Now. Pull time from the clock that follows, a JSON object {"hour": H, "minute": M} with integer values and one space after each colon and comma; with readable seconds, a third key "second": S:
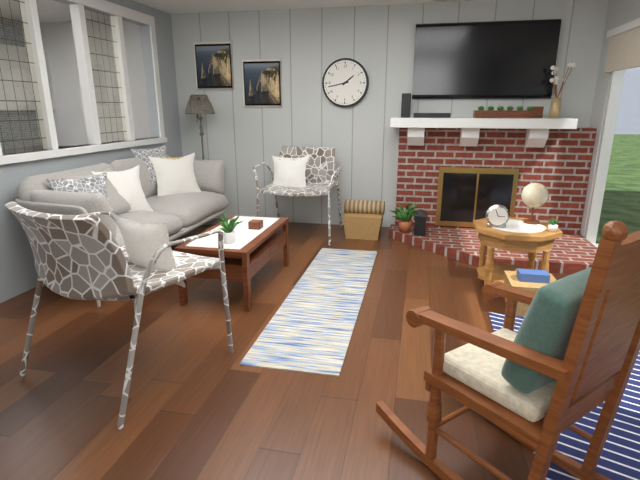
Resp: {"hour": 1, "minute": 43}
